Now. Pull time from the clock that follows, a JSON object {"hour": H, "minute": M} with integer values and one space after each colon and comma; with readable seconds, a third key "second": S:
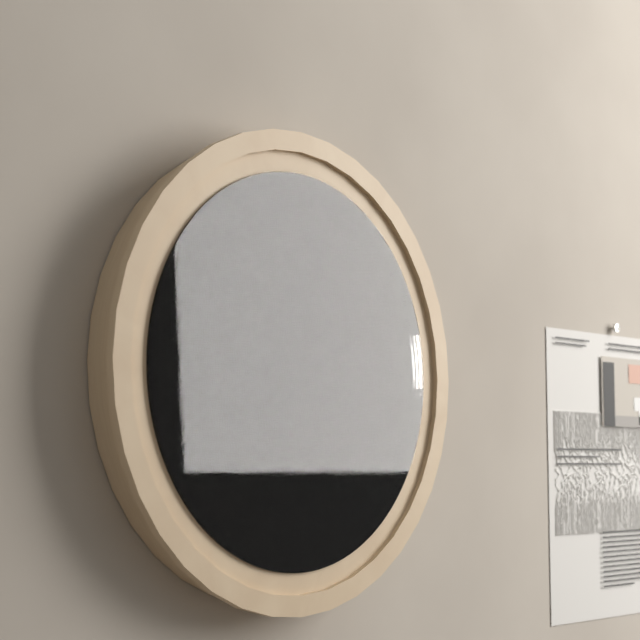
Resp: {"hour": 9, "minute": 38}
